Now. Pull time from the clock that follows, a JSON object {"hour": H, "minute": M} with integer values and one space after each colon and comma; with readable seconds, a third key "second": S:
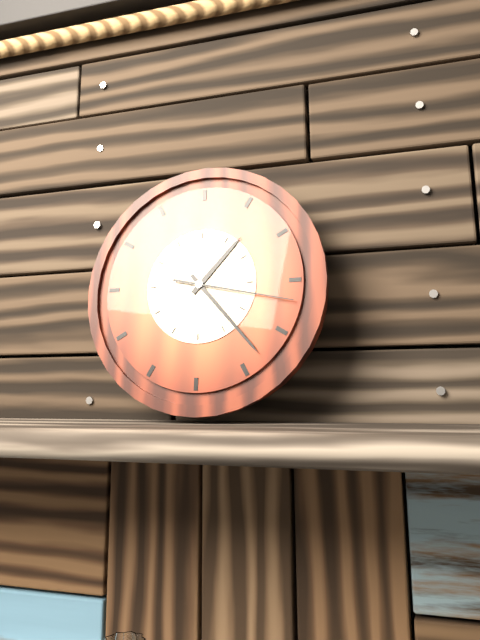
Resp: {"hour": 1, "minute": 23, "second": 17}
